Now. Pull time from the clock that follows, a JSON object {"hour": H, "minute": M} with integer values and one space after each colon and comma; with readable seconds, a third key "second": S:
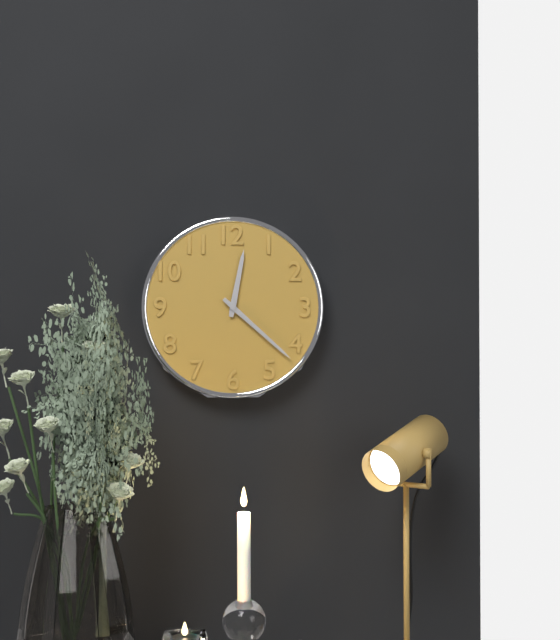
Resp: {"hour": 12, "minute": 22}
